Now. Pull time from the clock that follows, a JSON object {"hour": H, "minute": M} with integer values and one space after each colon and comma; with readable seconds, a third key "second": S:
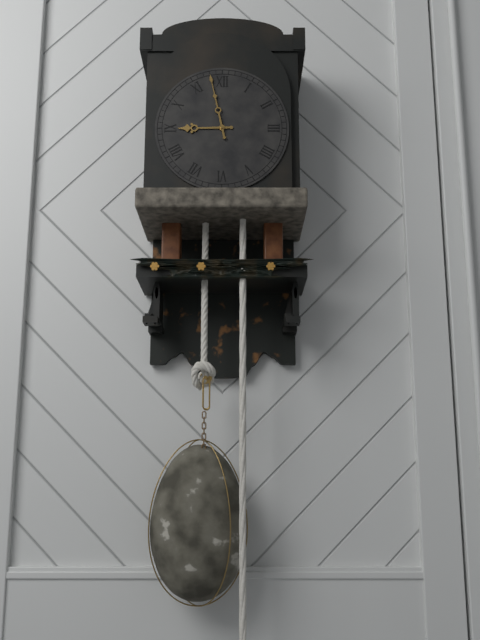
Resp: {"hour": 8, "minute": 58}
